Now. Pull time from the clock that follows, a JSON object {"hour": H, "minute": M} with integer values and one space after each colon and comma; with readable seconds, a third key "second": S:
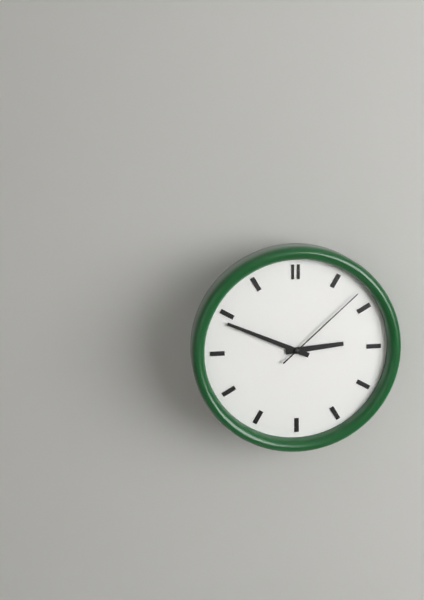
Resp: {"hour": 2, "minute": 49, "second": 8}
